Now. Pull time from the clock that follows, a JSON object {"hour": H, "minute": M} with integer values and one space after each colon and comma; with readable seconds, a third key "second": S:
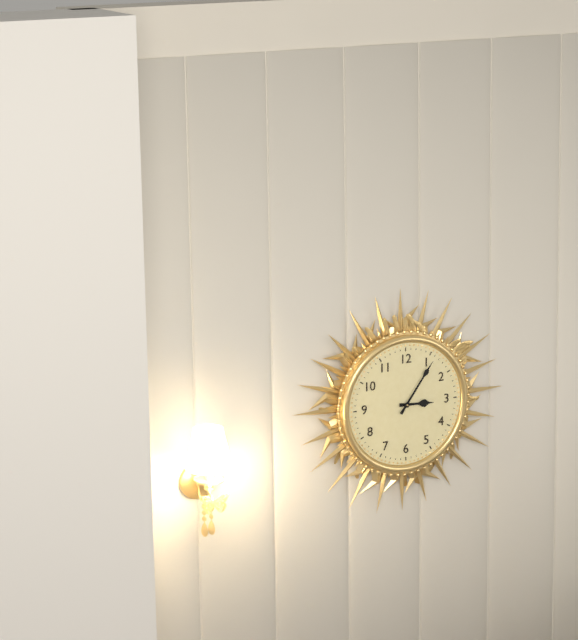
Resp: {"hour": 3, "minute": 6}
